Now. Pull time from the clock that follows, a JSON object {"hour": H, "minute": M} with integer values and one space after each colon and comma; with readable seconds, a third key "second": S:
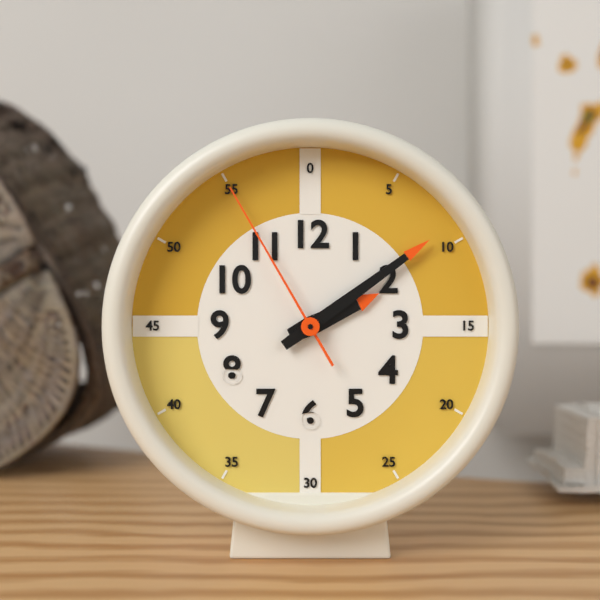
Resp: {"hour": 2, "minute": 9, "second": 55}
